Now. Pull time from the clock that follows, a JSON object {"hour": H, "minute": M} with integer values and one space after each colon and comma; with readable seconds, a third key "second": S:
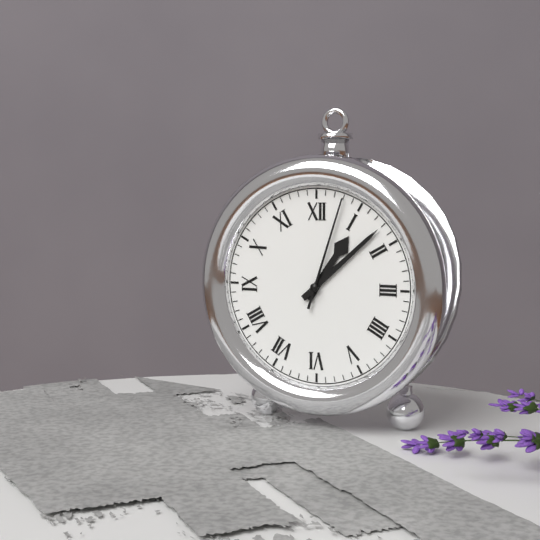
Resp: {"hour": 1, "minute": 8, "second": 3}
